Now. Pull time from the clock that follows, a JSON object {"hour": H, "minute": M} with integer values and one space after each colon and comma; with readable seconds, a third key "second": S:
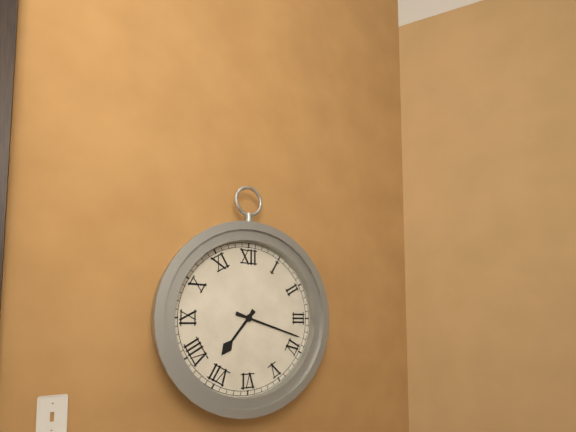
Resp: {"hour": 7, "minute": 18}
